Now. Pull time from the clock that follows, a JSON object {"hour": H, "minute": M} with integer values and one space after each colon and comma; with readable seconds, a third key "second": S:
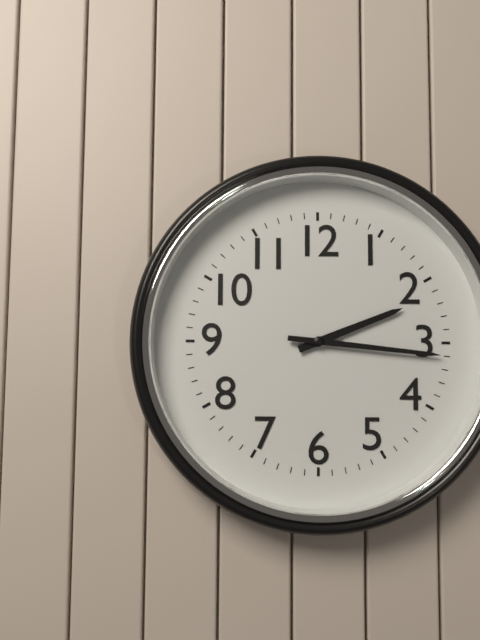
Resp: {"hour": 2, "minute": 16}
